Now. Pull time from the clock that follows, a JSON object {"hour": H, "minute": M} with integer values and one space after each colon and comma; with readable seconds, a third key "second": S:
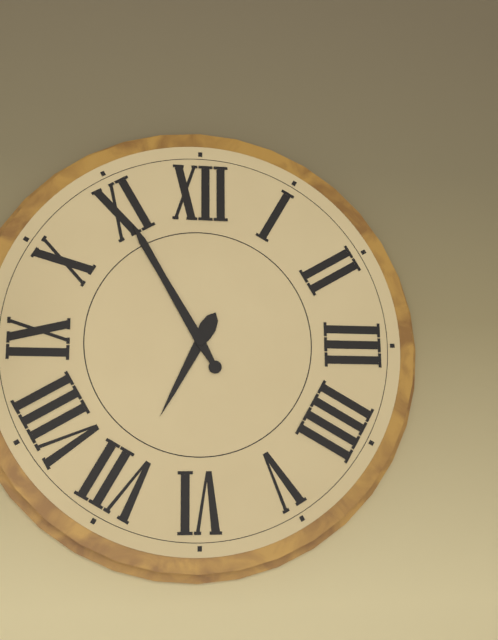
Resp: {"hour": 6, "minute": 55}
